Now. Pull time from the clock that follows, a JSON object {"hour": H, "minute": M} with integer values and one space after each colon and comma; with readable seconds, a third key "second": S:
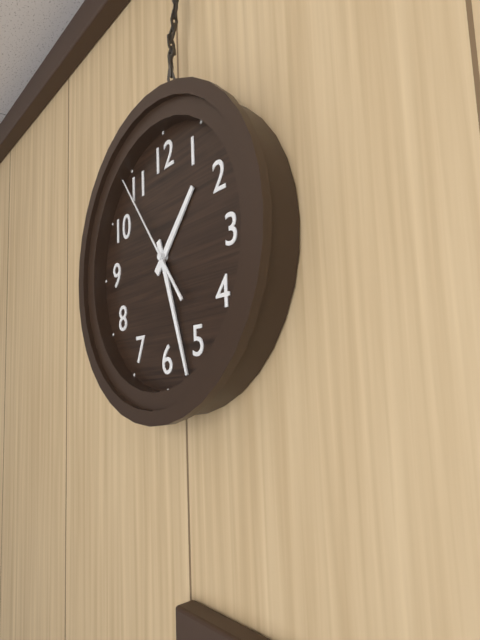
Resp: {"hour": 1, "minute": 27, "second": 54}
